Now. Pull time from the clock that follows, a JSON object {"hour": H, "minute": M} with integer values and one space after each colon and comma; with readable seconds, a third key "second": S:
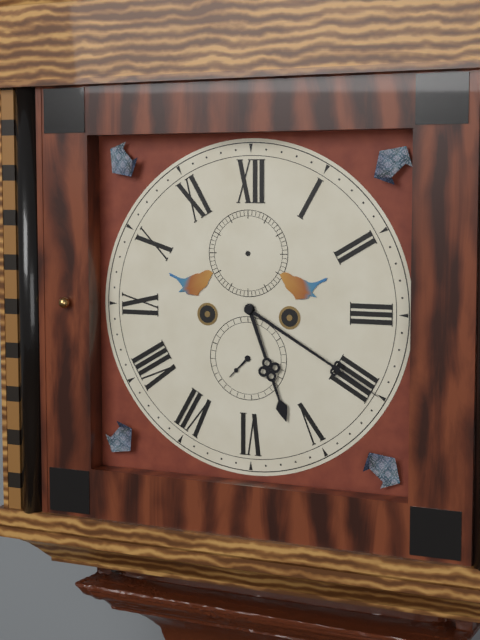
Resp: {"hour": 5, "minute": 20}
